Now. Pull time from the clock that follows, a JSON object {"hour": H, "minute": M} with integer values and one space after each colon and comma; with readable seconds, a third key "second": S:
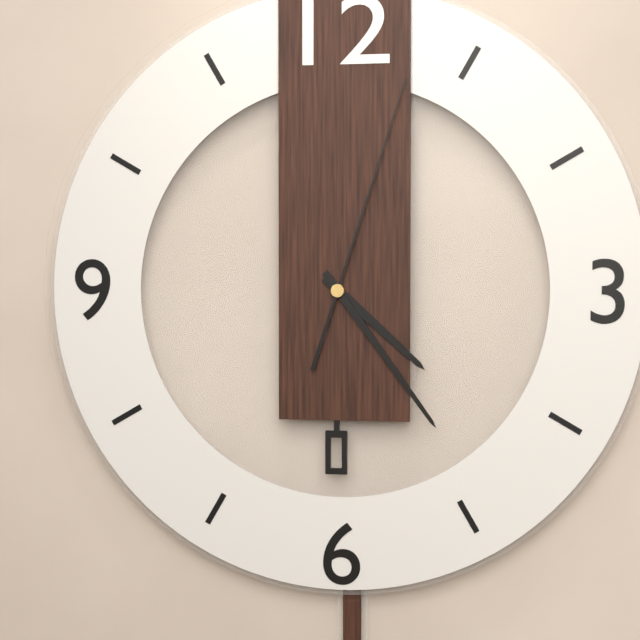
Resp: {"hour": 4, "minute": 24, "second": 3}
